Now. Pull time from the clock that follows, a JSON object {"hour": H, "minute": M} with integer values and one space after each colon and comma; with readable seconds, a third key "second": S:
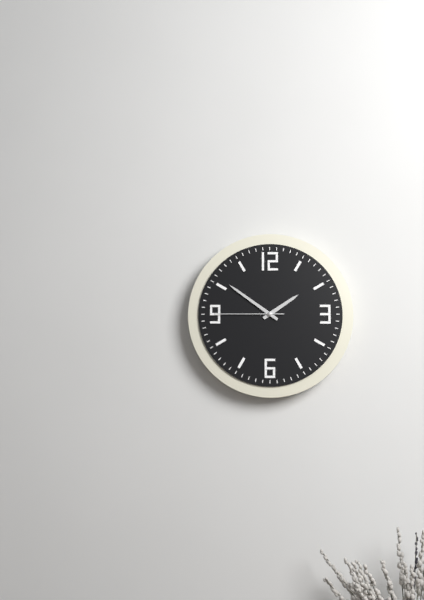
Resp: {"hour": 1, "minute": 51, "second": 45}
